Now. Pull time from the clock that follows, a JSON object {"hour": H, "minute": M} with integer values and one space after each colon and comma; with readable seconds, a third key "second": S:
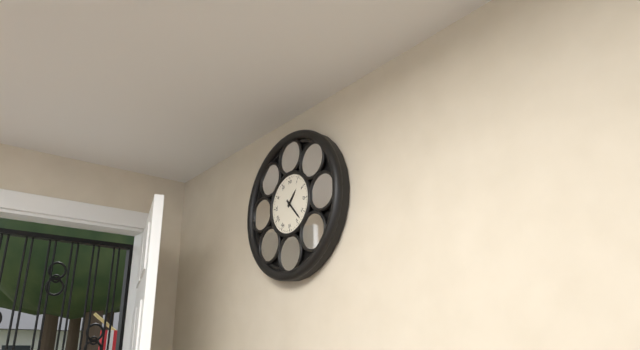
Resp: {"hour": 1, "minute": 23}
